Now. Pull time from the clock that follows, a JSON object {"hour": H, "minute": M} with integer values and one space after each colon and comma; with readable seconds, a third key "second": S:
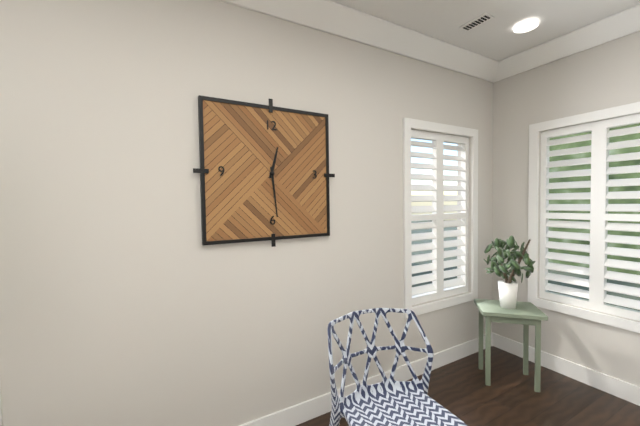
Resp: {"hour": 12, "minute": 29}
